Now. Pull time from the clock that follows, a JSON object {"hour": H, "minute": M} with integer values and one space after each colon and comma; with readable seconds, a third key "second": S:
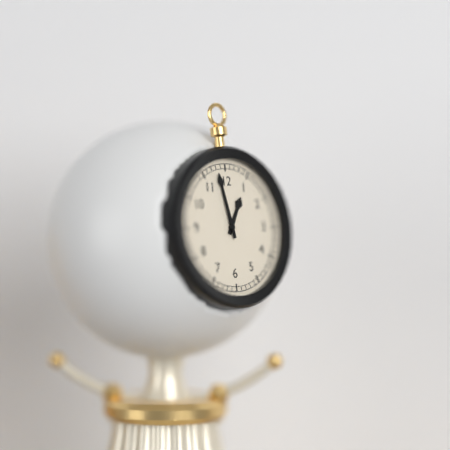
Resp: {"hour": 12, "minute": 58}
